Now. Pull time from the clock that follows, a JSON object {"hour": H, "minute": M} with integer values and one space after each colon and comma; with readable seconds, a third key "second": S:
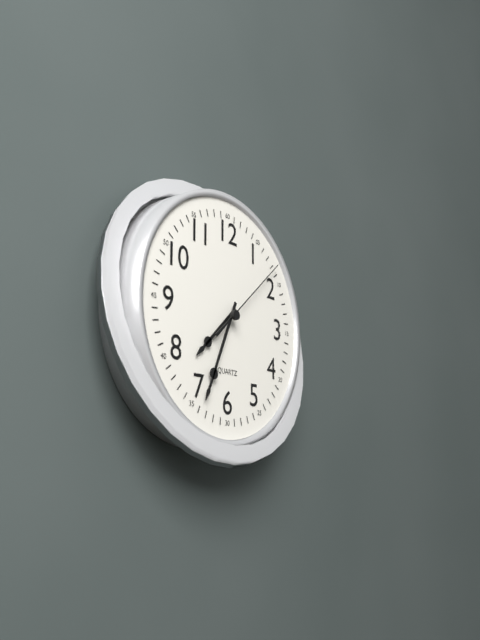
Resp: {"hour": 7, "minute": 34, "second": 8}
